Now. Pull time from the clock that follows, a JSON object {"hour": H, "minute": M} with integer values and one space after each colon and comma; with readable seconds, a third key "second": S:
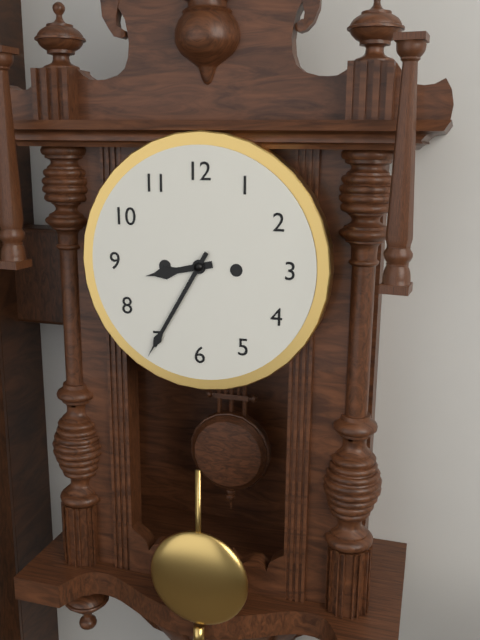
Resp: {"hour": 8, "minute": 35}
